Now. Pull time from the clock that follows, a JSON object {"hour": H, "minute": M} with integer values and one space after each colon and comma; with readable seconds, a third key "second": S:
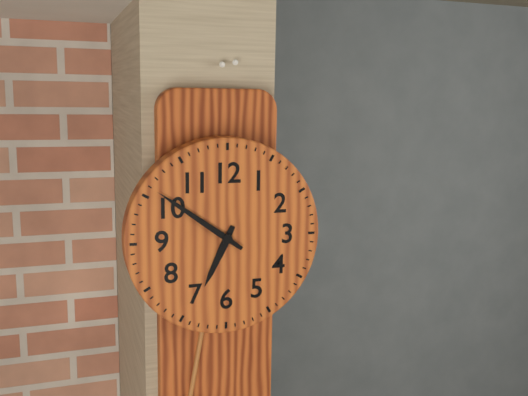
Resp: {"hour": 6, "minute": 51}
